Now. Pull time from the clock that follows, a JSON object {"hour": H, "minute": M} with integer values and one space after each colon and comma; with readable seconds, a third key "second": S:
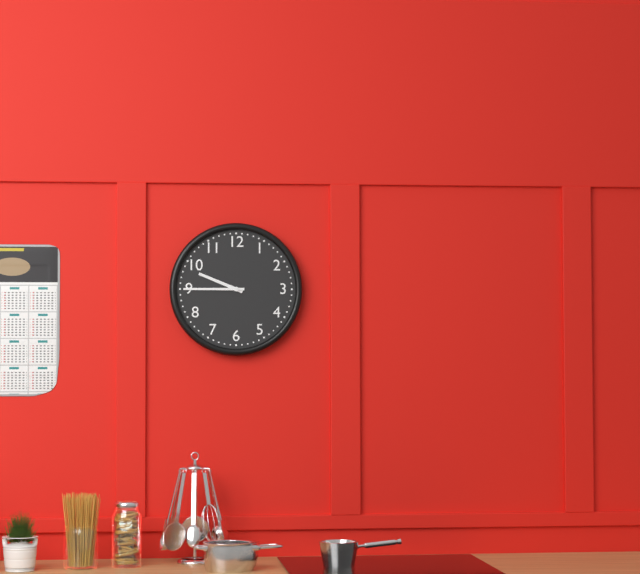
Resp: {"hour": 9, "minute": 45}
